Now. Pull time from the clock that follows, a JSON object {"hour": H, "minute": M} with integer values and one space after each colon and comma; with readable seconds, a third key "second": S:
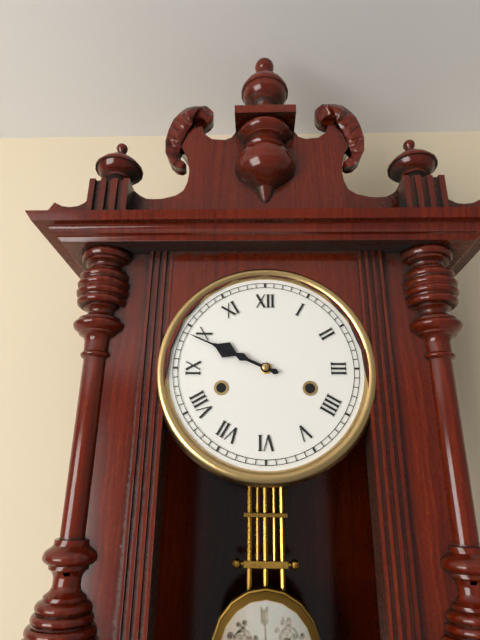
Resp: {"hour": 9, "minute": 49}
